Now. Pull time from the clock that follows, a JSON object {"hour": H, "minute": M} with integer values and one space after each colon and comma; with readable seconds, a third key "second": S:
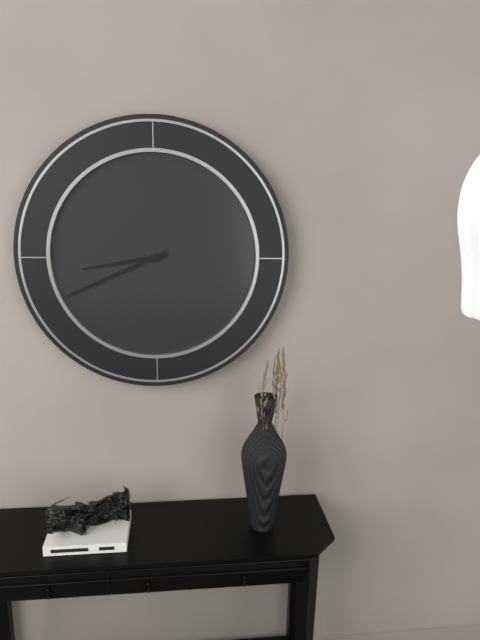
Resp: {"hour": 8, "minute": 41}
